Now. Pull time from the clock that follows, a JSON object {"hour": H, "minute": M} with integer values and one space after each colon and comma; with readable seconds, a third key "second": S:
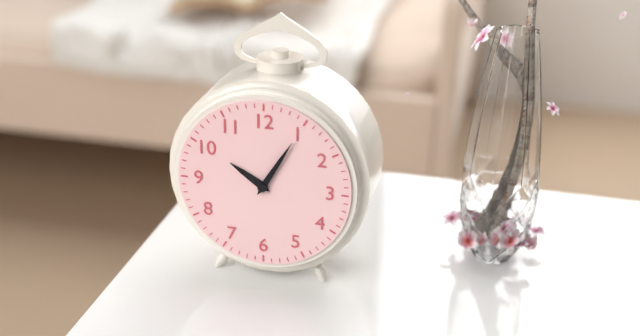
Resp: {"hour": 10, "minute": 5}
